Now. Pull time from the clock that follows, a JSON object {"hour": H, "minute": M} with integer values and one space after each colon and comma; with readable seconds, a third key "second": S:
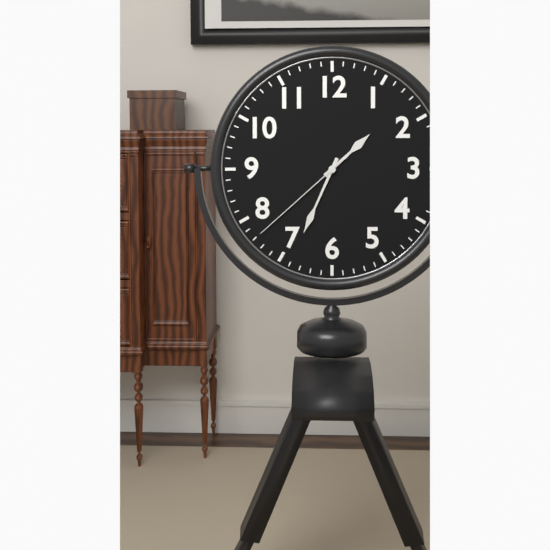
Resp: {"hour": 1, "minute": 34, "second": 38}
